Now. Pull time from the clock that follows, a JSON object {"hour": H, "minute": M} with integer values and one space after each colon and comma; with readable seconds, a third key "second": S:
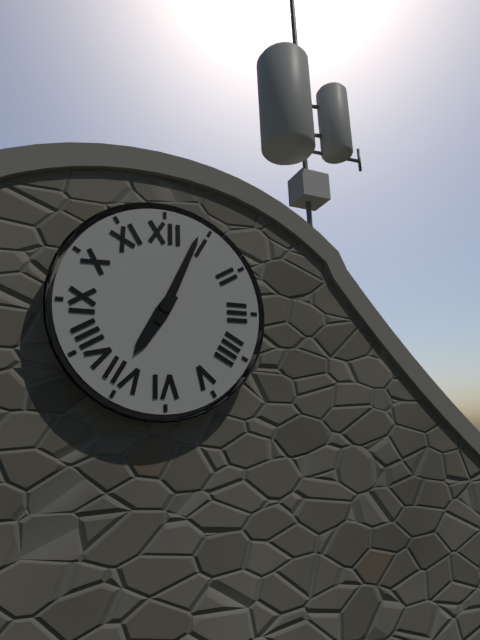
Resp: {"hour": 7, "minute": 4}
